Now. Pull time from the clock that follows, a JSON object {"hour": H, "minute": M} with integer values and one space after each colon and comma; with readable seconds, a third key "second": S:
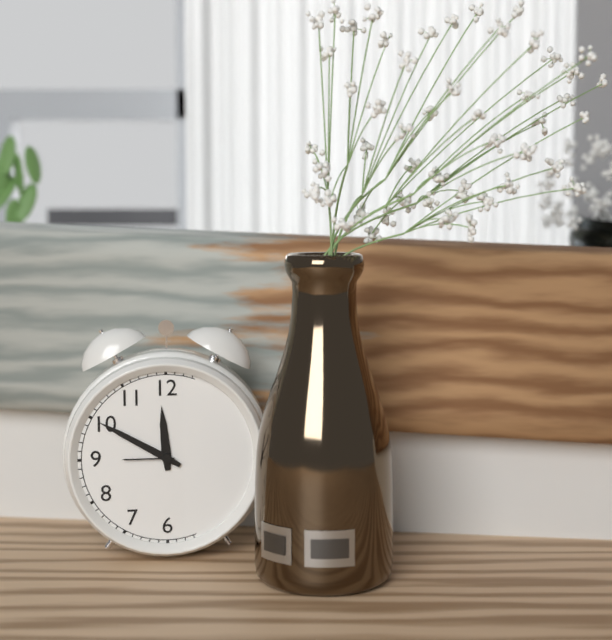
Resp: {"hour": 11, "minute": 50}
